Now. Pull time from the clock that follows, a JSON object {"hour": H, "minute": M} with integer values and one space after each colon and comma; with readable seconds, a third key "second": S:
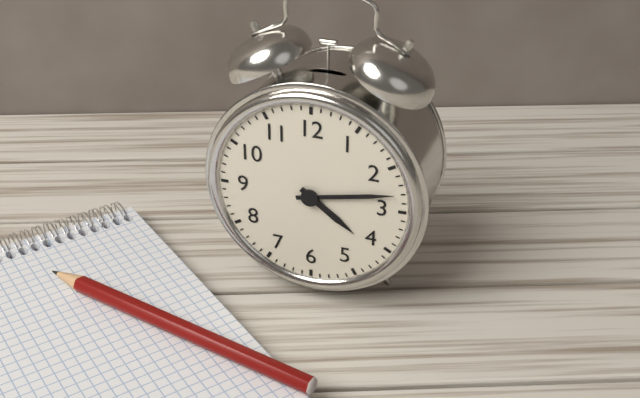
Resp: {"hour": 4, "minute": 13}
